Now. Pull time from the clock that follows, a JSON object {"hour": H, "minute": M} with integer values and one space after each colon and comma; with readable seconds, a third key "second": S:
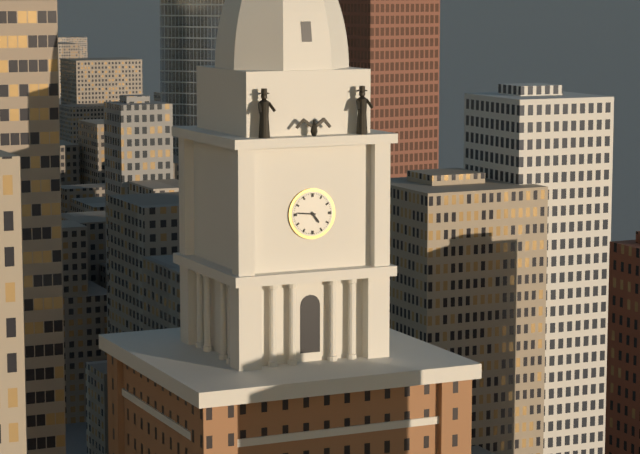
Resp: {"hour": 4, "minute": 46}
